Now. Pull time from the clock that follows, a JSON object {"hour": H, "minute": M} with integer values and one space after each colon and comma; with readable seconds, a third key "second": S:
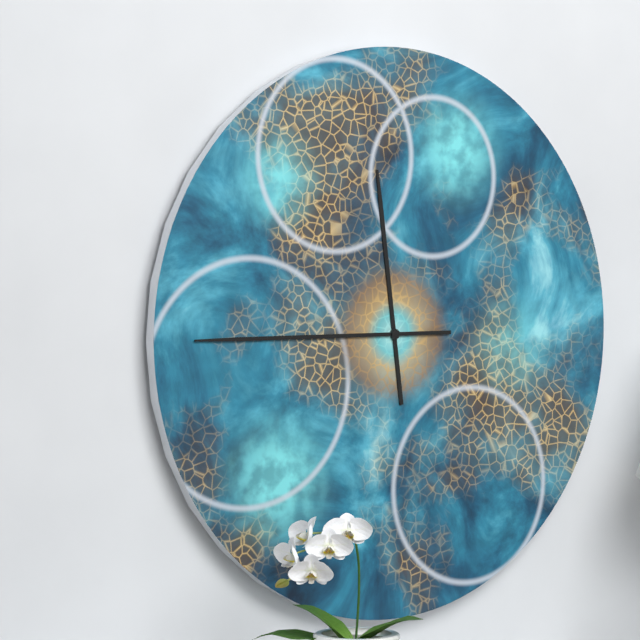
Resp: {"hour": 11, "minute": 45}
